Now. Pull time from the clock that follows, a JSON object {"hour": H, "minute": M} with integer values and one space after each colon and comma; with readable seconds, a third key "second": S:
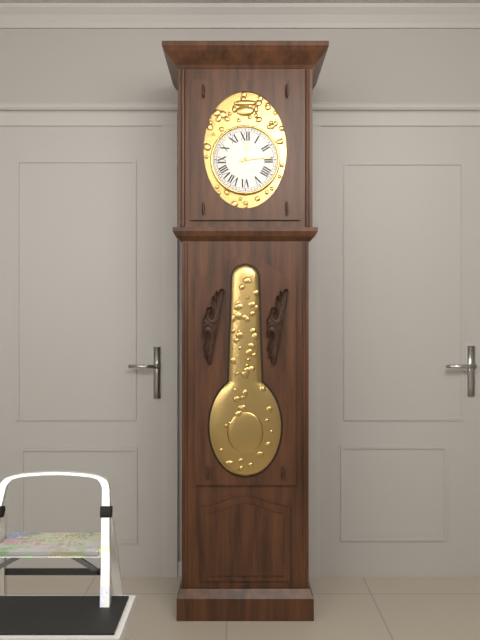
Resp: {"hour": 12, "minute": 14}
